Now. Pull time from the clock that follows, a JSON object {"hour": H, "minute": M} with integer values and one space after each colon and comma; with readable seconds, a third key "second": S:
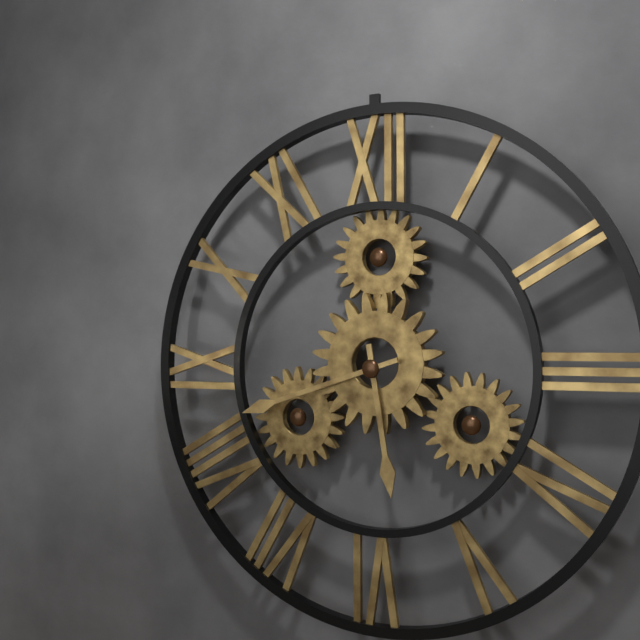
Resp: {"hour": 5, "minute": 42}
